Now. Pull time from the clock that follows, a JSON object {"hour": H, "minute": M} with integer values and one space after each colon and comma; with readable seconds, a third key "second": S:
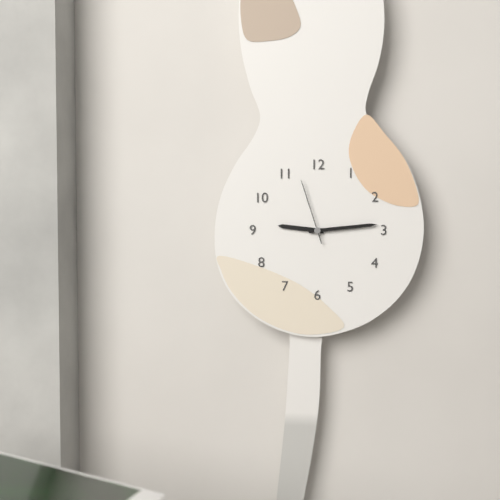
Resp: {"hour": 9, "minute": 14, "second": 57}
